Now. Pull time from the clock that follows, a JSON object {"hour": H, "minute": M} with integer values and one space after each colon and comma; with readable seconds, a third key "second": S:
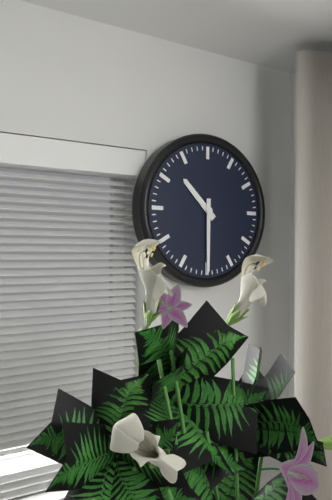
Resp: {"hour": 10, "minute": 30}
